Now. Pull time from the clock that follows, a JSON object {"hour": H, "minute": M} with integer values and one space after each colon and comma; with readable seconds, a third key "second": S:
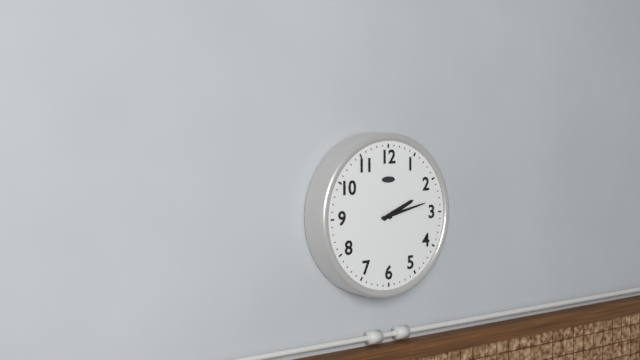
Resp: {"hour": 2, "minute": 13}
